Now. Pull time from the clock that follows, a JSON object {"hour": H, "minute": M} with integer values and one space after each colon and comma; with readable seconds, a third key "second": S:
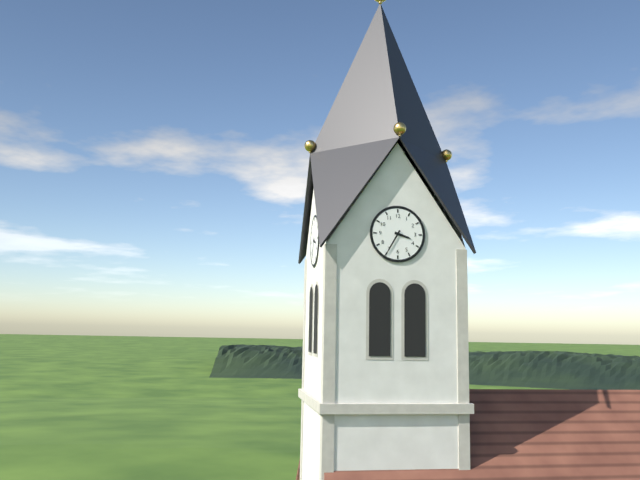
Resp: {"hour": 3, "minute": 35}
